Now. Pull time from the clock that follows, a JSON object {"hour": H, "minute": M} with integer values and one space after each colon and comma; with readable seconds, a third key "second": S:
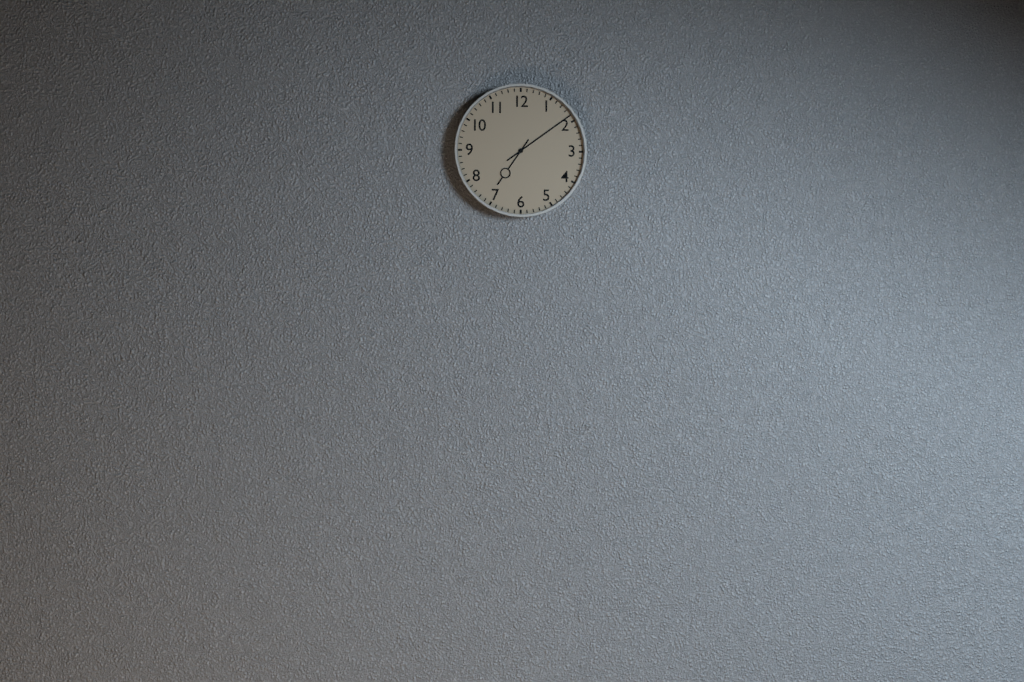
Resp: {"hour": 7, "minute": 9}
